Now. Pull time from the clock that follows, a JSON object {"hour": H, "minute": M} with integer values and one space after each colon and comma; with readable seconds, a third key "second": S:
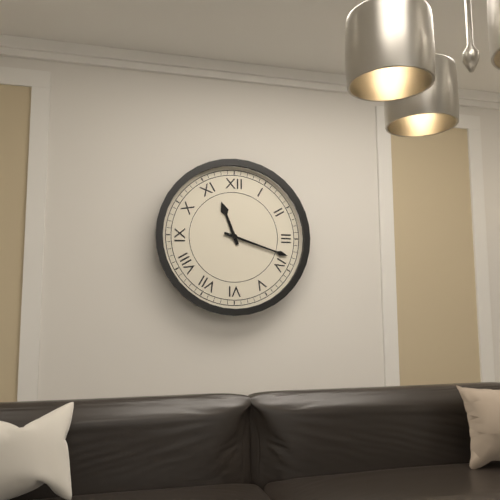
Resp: {"hour": 11, "minute": 18}
